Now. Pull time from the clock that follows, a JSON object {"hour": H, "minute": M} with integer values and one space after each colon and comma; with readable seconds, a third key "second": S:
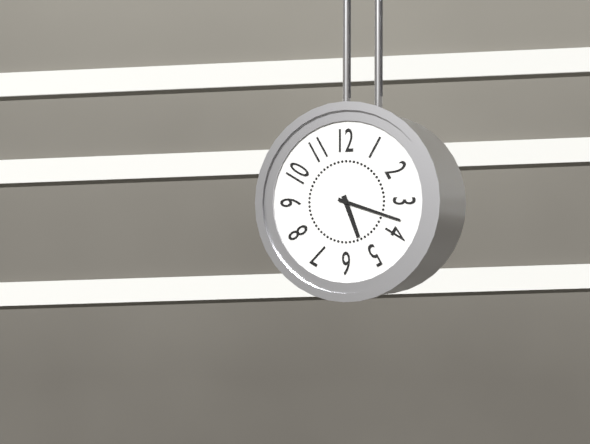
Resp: {"hour": 5, "minute": 18}
